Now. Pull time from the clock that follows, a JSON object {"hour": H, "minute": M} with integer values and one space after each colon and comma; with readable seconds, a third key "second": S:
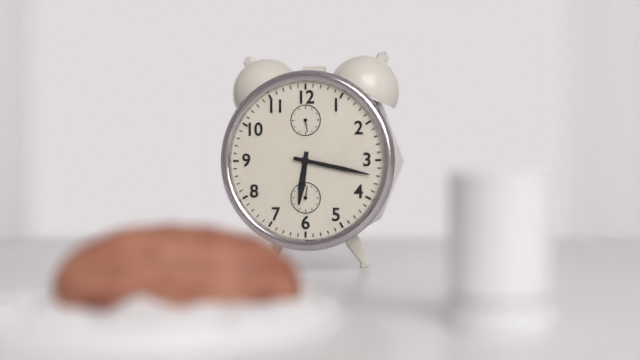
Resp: {"hour": 6, "minute": 17}
